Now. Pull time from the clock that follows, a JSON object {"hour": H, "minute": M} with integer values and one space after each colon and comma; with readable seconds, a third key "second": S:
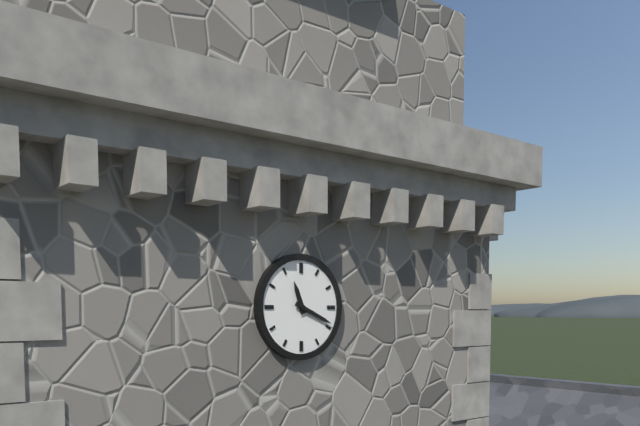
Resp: {"hour": 11, "minute": 19}
